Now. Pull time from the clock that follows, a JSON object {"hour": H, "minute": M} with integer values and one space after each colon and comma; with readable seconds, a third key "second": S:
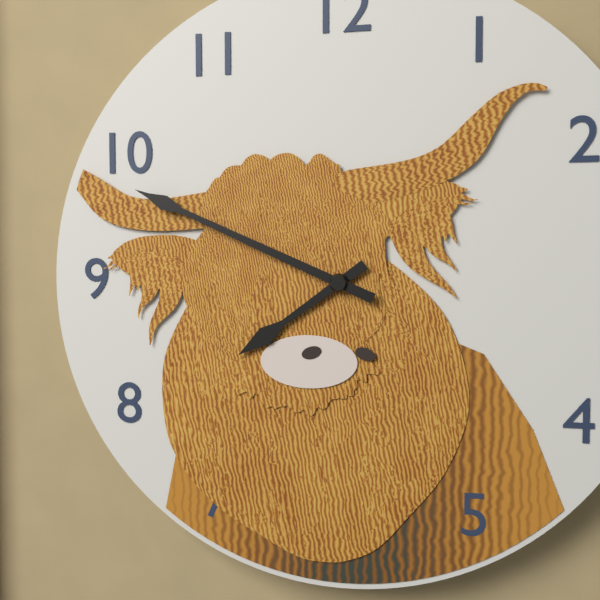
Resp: {"hour": 7, "minute": 49}
